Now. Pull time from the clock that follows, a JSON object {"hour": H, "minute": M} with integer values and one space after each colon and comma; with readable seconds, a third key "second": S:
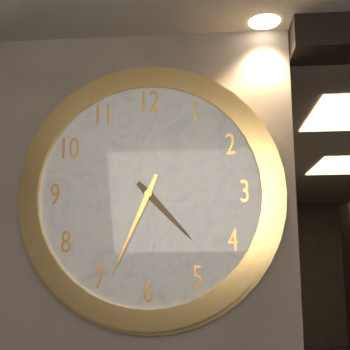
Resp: {"hour": 4, "minute": 34}
